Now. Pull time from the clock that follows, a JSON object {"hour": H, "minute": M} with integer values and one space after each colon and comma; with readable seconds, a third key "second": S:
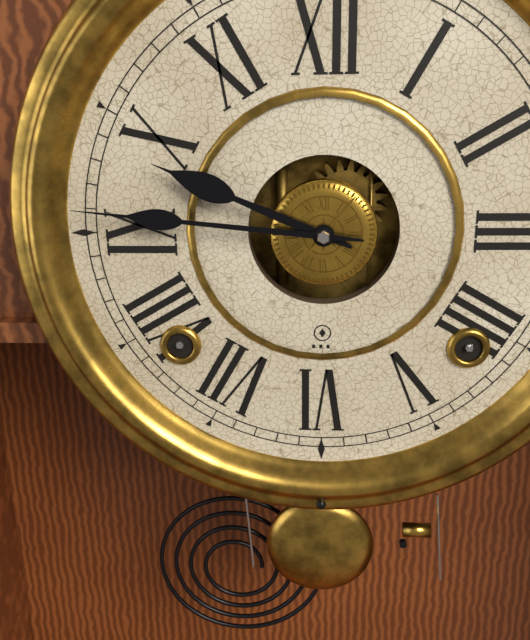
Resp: {"hour": 9, "minute": 46}
